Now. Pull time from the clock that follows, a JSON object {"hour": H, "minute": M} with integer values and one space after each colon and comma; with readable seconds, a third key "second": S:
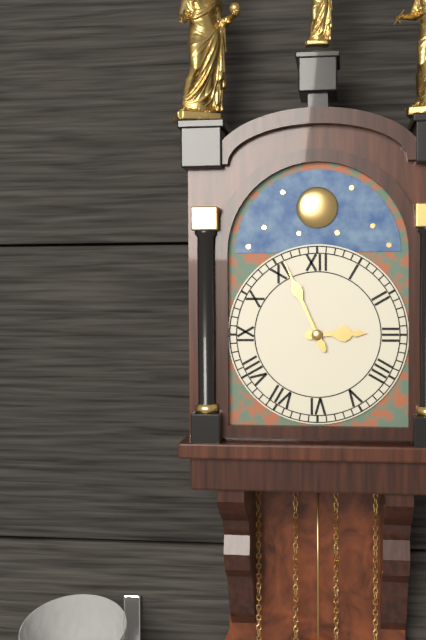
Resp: {"hour": 2, "minute": 56}
